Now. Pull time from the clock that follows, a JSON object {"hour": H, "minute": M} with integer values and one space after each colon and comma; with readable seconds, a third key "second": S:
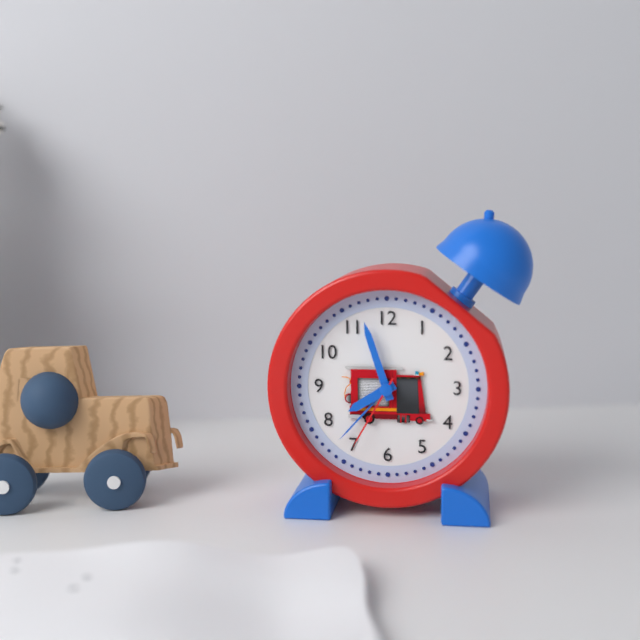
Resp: {"hour": 7, "minute": 57, "second": 35}
